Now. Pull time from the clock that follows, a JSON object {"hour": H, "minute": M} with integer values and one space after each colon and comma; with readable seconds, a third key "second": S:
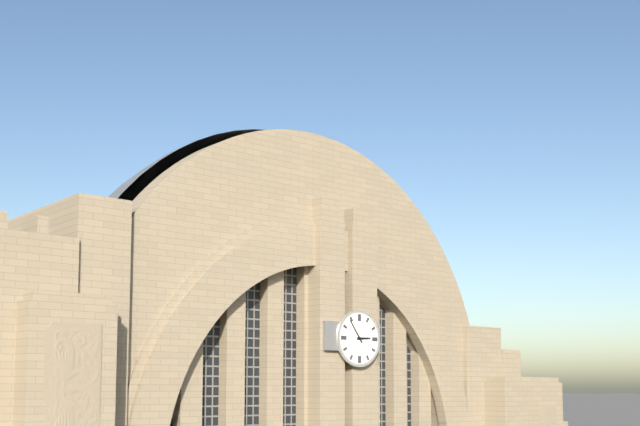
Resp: {"hour": 2, "minute": 54}
